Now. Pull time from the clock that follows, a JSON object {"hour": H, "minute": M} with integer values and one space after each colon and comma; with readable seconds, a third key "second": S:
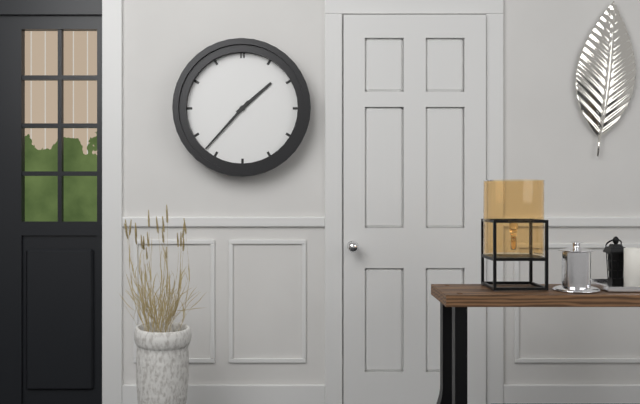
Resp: {"hour": 1, "minute": 37}
